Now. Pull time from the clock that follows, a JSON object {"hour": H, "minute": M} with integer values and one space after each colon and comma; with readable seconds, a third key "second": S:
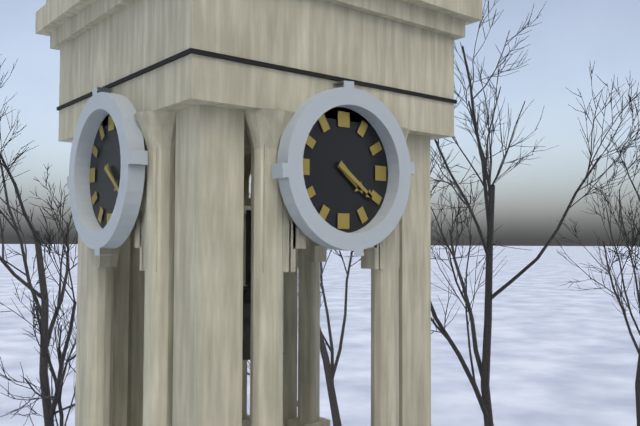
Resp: {"hour": 4, "minute": 21}
